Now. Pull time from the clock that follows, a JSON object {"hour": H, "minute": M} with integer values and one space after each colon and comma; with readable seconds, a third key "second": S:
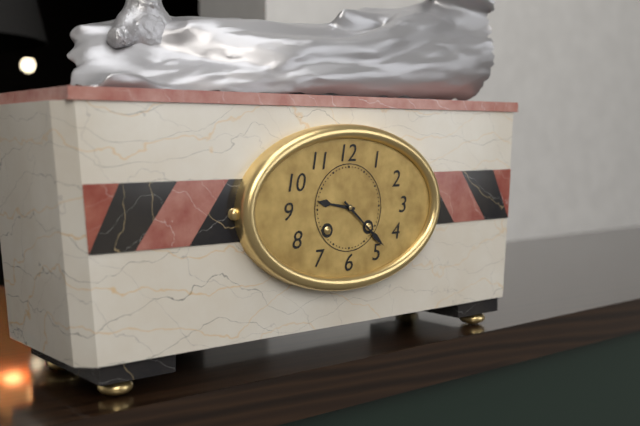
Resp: {"hour": 9, "minute": 22}
